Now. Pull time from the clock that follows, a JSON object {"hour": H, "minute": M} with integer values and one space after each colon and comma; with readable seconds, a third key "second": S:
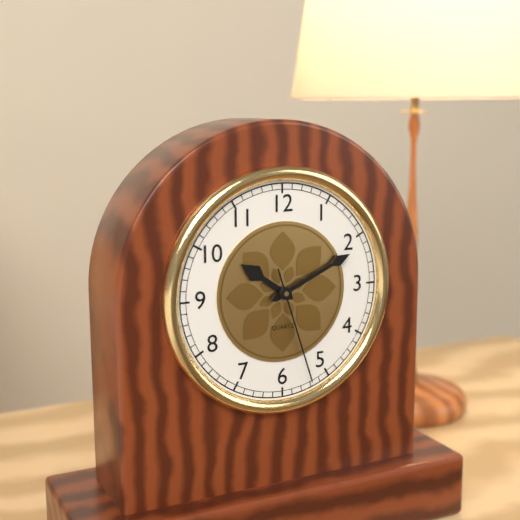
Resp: {"hour": 10, "minute": 11, "second": 27}
